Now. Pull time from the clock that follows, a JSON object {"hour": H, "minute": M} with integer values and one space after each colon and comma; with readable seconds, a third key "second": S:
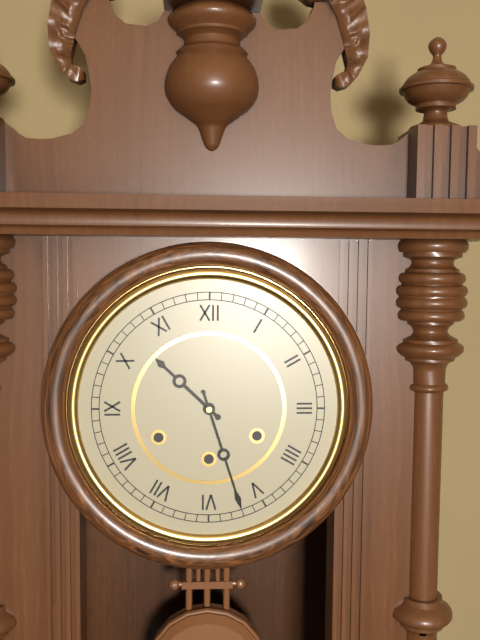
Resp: {"hour": 10, "minute": 27}
